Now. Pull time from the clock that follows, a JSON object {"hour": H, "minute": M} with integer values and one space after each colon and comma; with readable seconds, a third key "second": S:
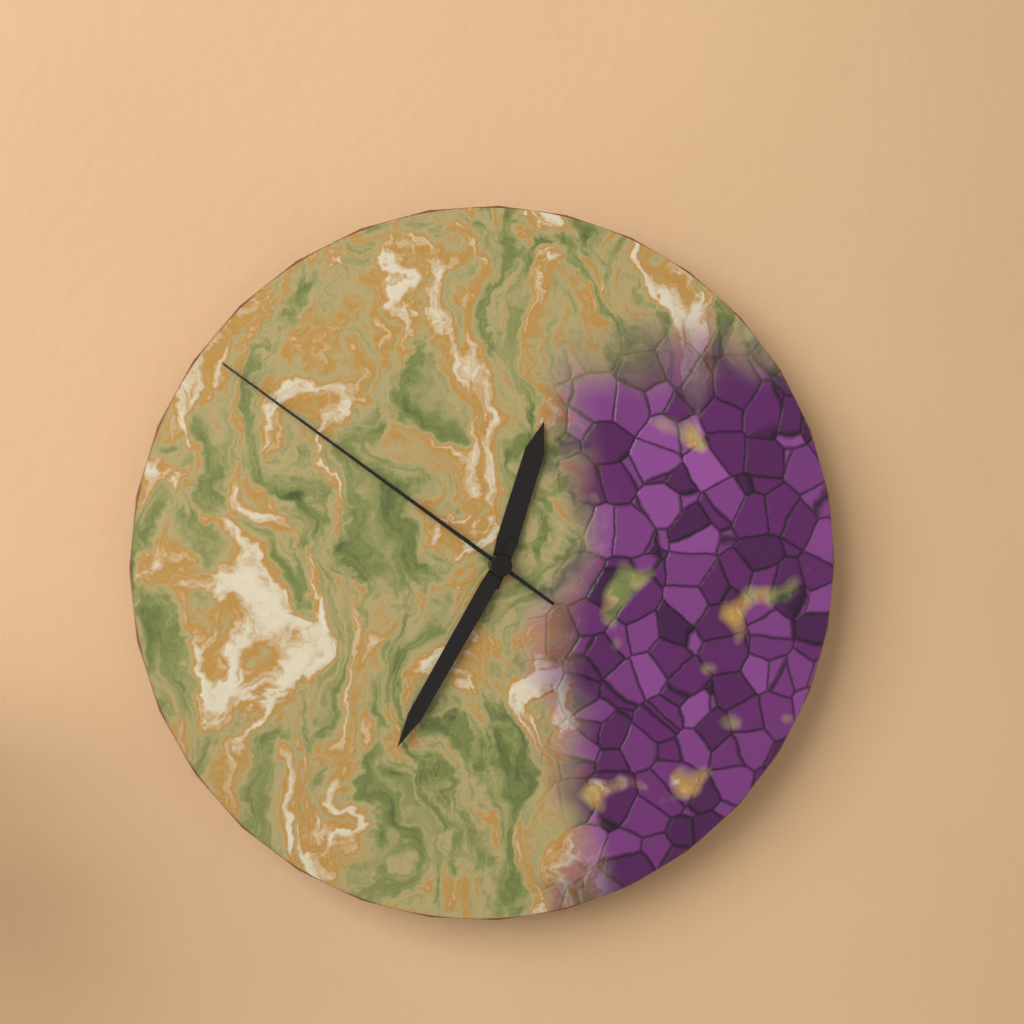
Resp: {"hour": 12, "minute": 35, "second": 51}
